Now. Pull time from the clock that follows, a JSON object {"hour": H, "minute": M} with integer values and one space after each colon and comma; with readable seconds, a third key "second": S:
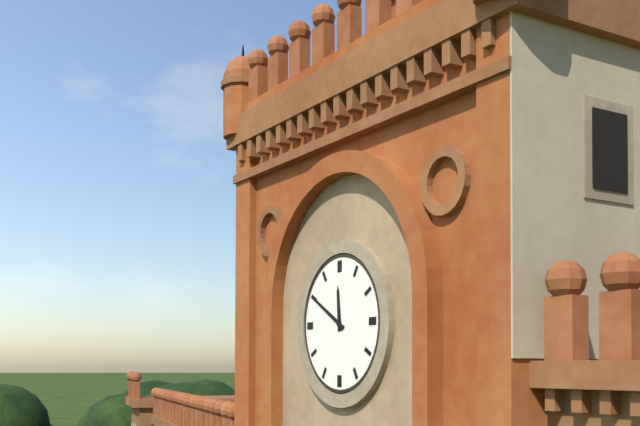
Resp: {"hour": 11, "minute": 50}
